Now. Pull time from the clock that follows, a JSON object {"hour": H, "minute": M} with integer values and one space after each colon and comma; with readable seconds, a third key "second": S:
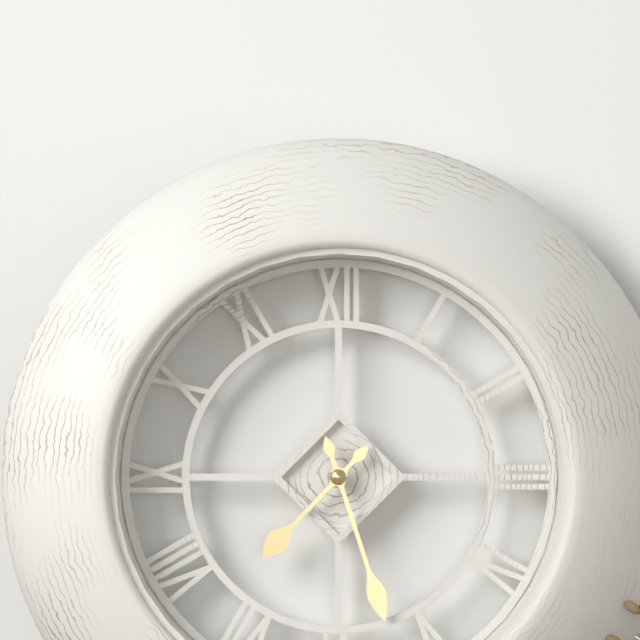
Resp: {"hour": 7, "minute": 27}
